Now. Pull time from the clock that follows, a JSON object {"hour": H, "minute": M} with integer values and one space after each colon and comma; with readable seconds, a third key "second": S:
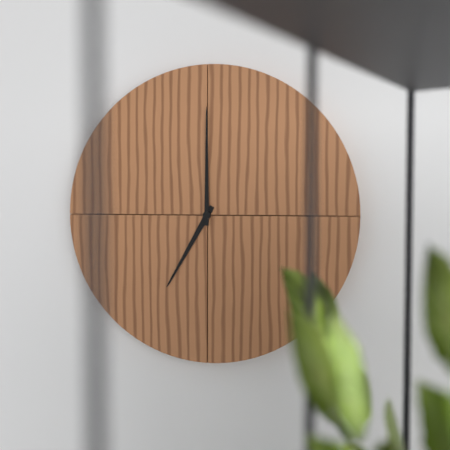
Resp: {"hour": 7, "minute": 0}
